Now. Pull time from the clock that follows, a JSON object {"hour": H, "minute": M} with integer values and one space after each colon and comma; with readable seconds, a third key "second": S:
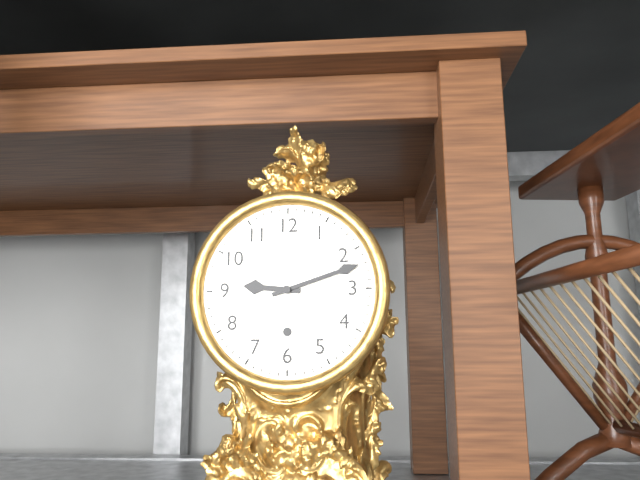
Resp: {"hour": 9, "minute": 12}
